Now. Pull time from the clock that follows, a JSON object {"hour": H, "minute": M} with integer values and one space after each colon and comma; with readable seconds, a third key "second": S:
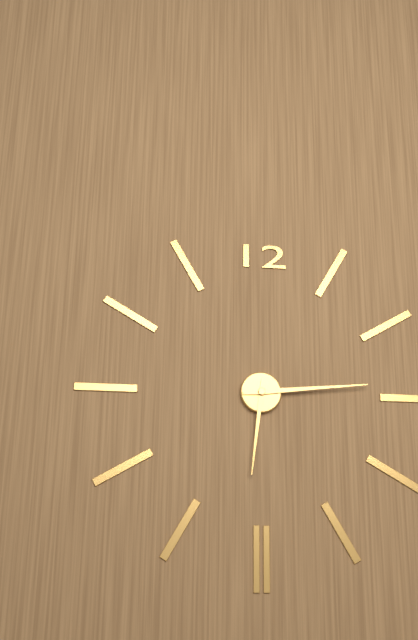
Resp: {"hour": 6, "minute": 14}
